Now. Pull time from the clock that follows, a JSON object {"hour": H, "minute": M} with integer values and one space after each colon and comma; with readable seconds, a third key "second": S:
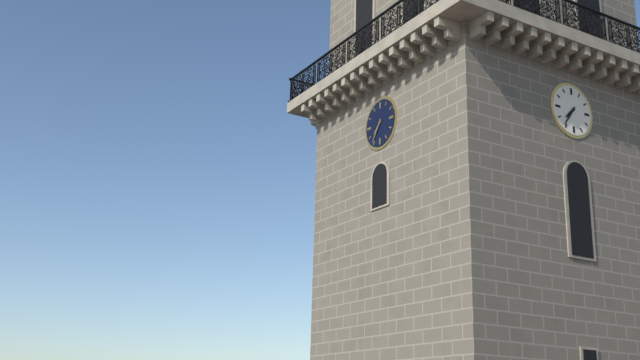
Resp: {"hour": 7, "minute": 36}
